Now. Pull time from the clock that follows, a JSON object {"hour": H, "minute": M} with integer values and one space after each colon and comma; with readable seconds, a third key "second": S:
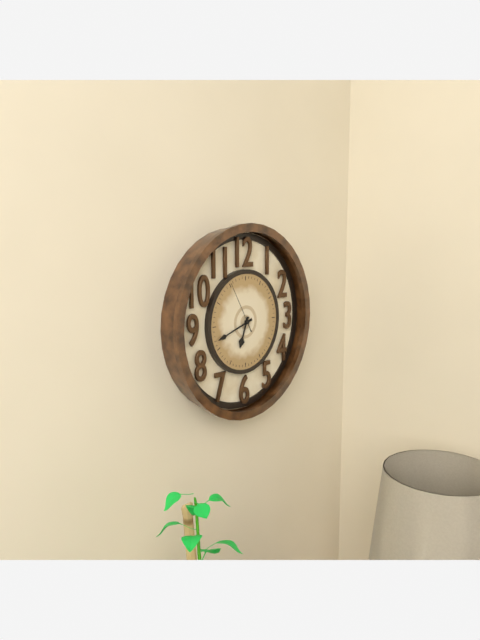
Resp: {"hour": 6, "minute": 42, "second": 55}
